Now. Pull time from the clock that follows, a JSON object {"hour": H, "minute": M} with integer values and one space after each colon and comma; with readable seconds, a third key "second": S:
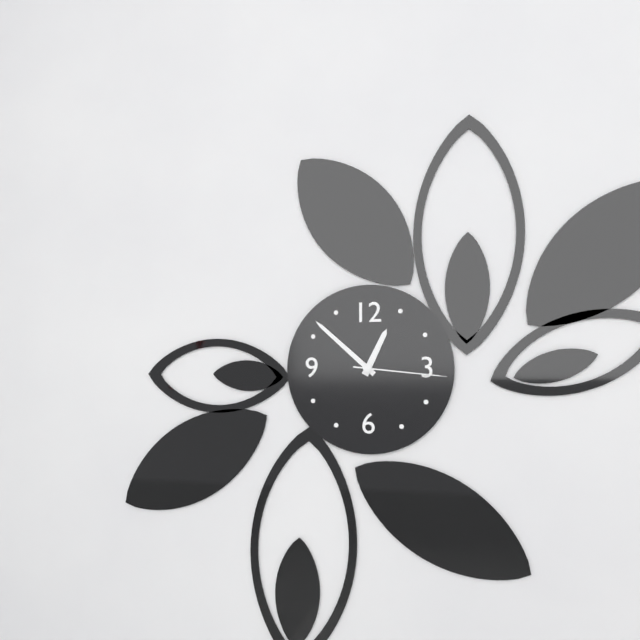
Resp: {"hour": 12, "minute": 52, "second": 16}
